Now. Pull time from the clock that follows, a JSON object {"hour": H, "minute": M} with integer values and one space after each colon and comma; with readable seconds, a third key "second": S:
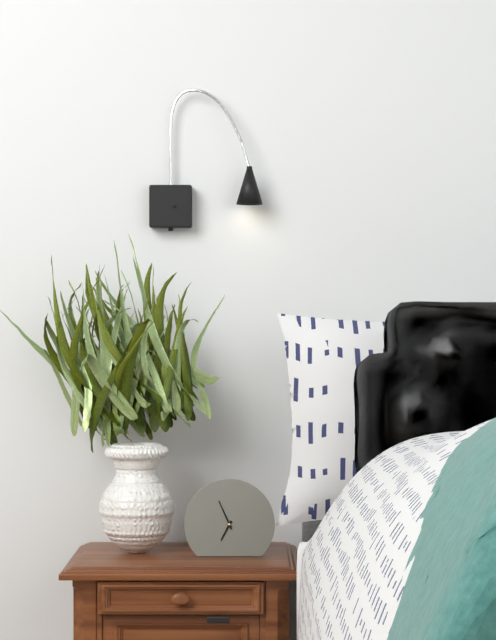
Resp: {"hour": 6, "minute": 56}
